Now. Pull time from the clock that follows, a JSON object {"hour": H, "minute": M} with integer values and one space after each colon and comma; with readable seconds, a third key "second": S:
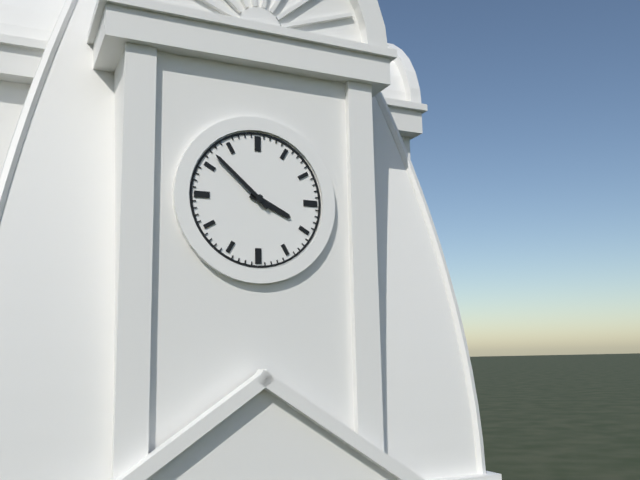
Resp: {"hour": 3, "minute": 52}
